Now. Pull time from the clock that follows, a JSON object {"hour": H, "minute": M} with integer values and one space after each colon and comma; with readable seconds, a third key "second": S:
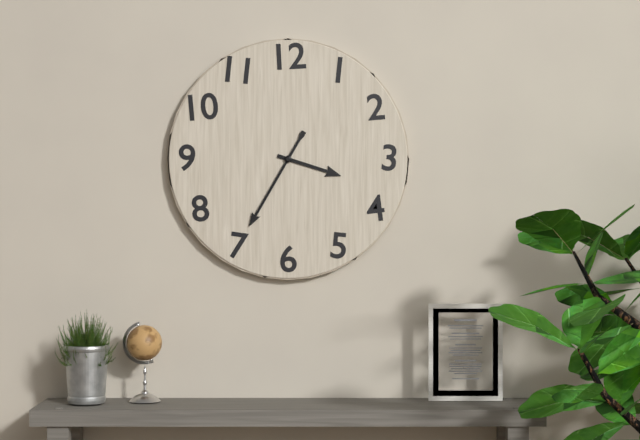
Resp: {"hour": 3, "minute": 35}
